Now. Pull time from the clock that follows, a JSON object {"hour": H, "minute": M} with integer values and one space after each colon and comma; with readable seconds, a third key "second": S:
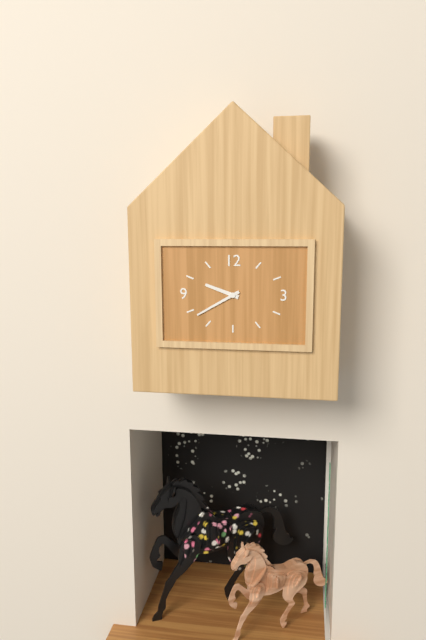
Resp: {"hour": 9, "minute": 40}
